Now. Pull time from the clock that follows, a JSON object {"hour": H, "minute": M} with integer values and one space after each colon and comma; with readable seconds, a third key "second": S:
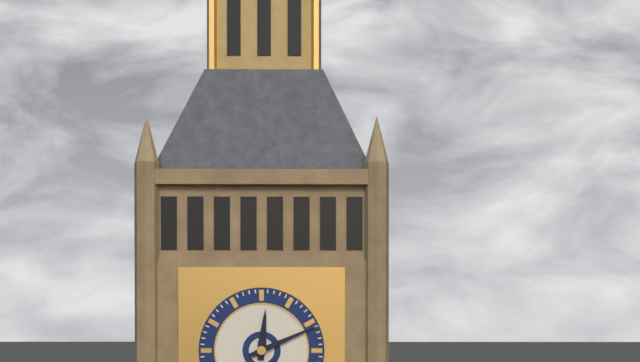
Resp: {"hour": 12, "minute": 11}
